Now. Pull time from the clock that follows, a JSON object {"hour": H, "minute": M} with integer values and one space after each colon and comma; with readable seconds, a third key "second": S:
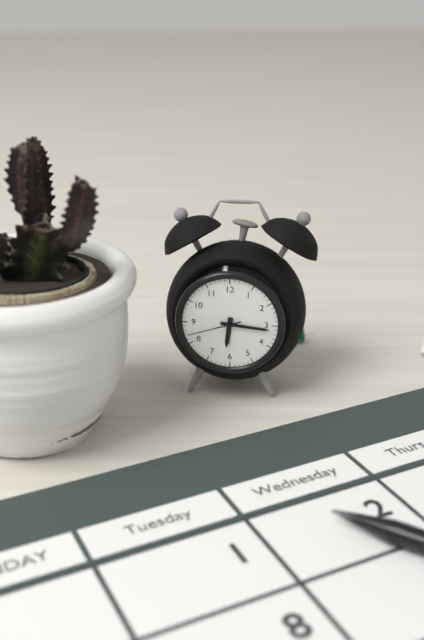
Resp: {"hour": 6, "minute": 16, "second": 42}
